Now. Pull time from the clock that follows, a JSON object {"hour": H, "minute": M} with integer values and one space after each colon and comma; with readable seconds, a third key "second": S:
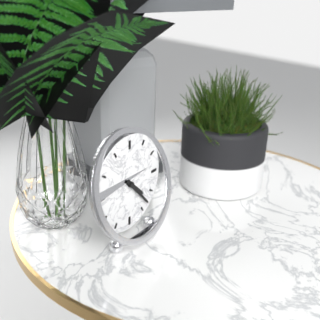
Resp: {"hour": 4, "minute": 23}
